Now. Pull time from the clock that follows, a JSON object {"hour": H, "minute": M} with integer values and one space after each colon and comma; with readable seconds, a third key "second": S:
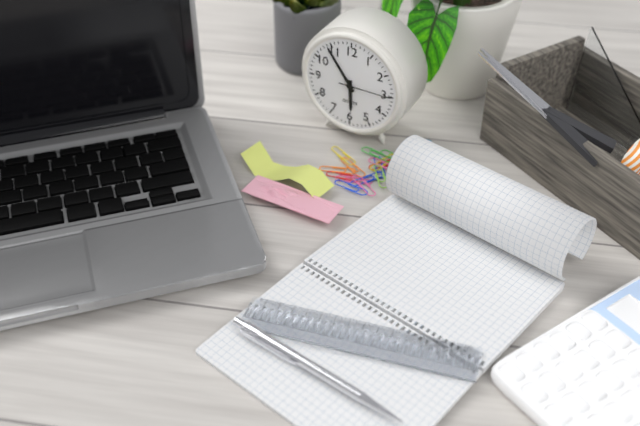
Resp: {"hour": 5, "minute": 54, "second": 15}
